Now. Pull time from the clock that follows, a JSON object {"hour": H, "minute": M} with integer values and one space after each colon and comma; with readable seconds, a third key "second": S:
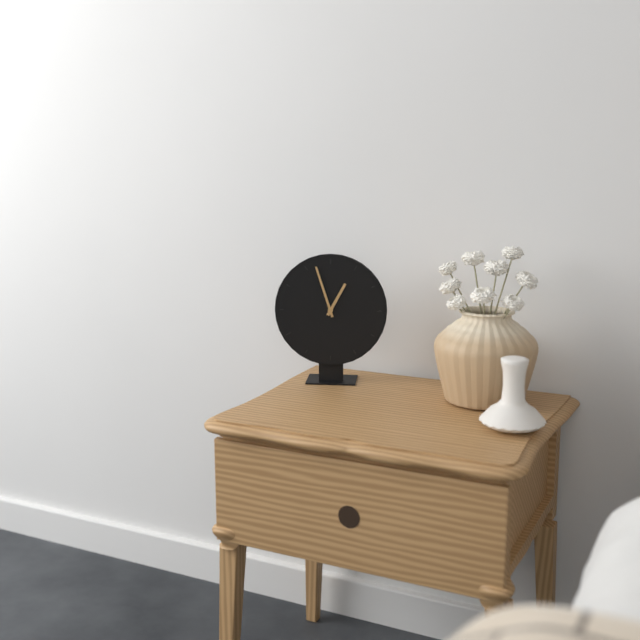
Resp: {"hour": 12, "minute": 57}
